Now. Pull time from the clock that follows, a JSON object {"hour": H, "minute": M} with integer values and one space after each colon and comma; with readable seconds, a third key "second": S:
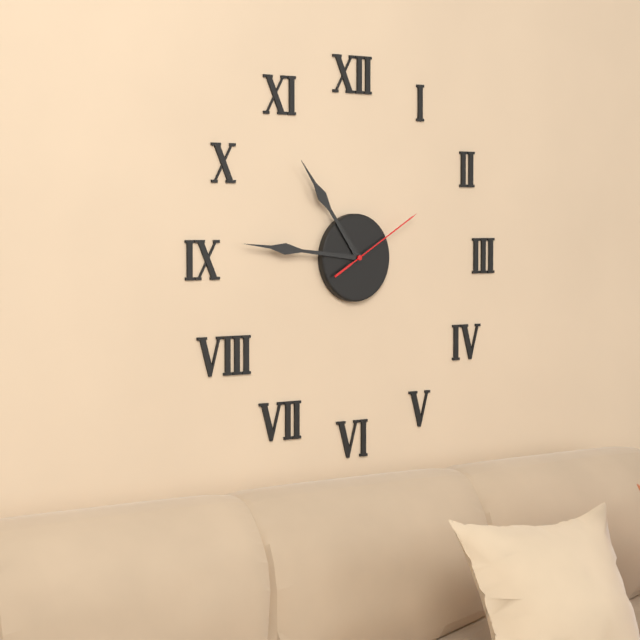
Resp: {"hour": 10, "minute": 46, "second": 10}
